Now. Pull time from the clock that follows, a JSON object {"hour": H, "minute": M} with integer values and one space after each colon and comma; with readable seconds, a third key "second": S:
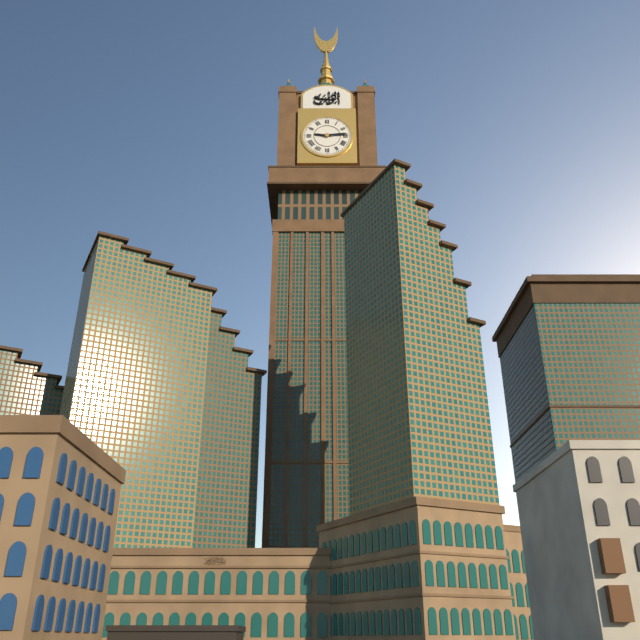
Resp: {"hour": 9, "minute": 14}
